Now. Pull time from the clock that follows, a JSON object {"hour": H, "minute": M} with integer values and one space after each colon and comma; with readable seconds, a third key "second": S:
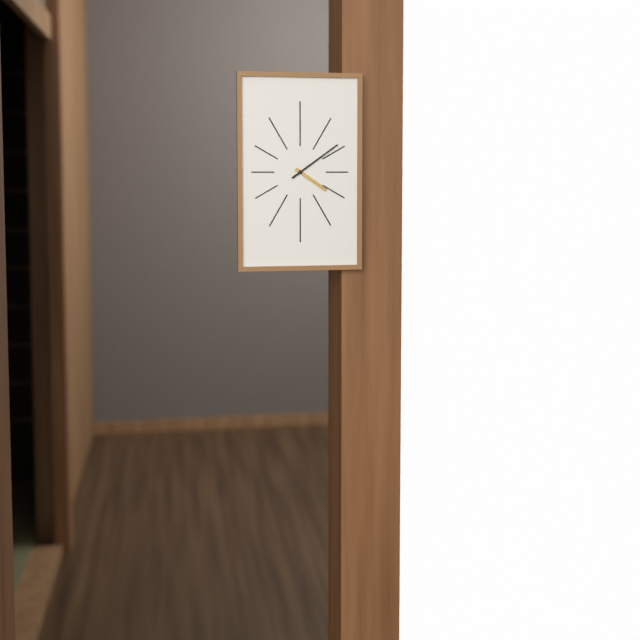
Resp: {"hour": 4, "minute": 9}
